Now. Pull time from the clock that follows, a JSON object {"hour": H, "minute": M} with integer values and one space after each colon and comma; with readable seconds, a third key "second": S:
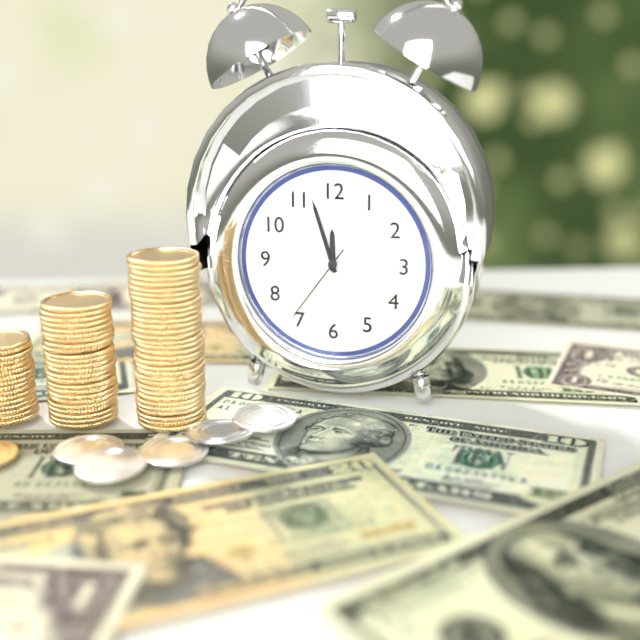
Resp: {"hour": 11, "minute": 57, "second": 36}
